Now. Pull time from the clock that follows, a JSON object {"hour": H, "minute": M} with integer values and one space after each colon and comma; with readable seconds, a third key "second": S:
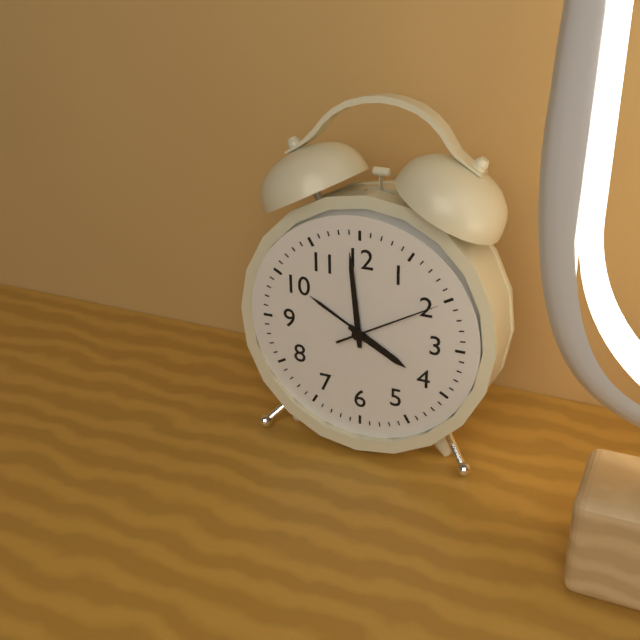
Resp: {"hour": 3, "minute": 59, "second": 10}
